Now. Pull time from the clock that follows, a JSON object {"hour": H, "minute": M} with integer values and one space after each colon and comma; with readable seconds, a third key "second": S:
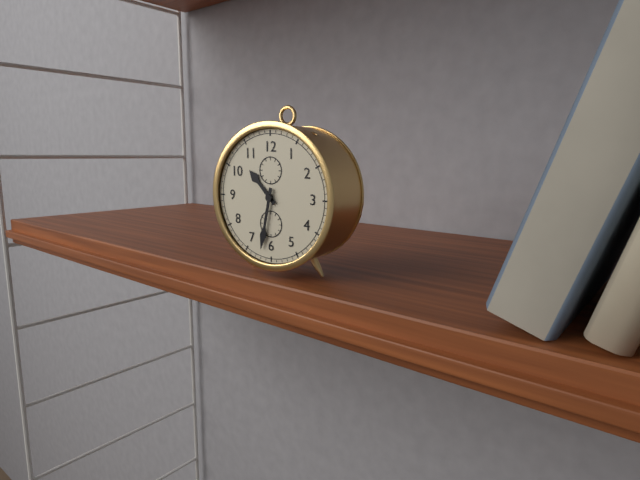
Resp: {"hour": 10, "minute": 32}
